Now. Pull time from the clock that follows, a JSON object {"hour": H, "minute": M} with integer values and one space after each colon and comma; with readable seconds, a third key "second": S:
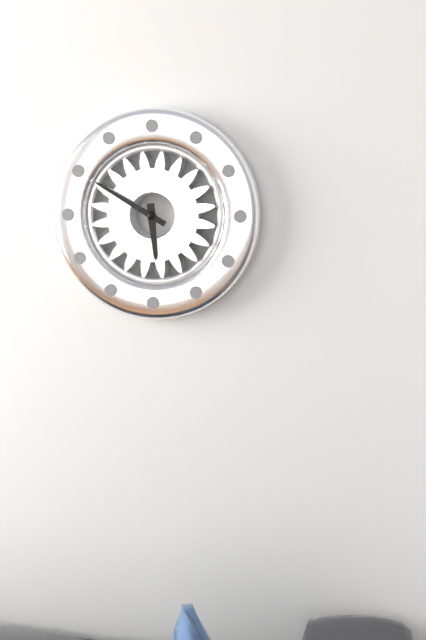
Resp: {"hour": 5, "minute": 50}
